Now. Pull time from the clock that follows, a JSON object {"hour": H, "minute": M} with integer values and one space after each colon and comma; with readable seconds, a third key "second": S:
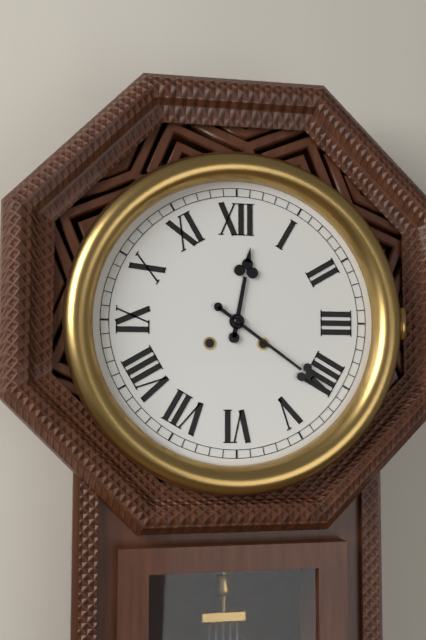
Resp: {"hour": 12, "minute": 21}
